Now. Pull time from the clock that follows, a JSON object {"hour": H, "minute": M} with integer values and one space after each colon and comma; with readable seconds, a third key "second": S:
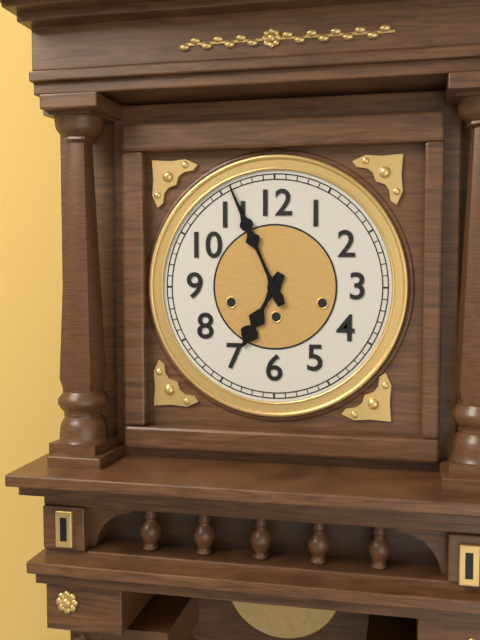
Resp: {"hour": 6, "minute": 56}
